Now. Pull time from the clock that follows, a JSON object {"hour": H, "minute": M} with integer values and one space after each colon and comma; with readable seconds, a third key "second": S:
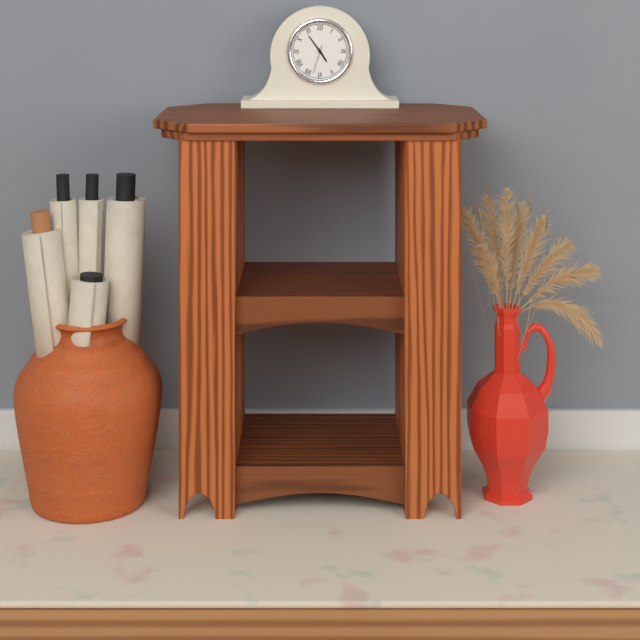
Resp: {"hour": 4, "minute": 54}
